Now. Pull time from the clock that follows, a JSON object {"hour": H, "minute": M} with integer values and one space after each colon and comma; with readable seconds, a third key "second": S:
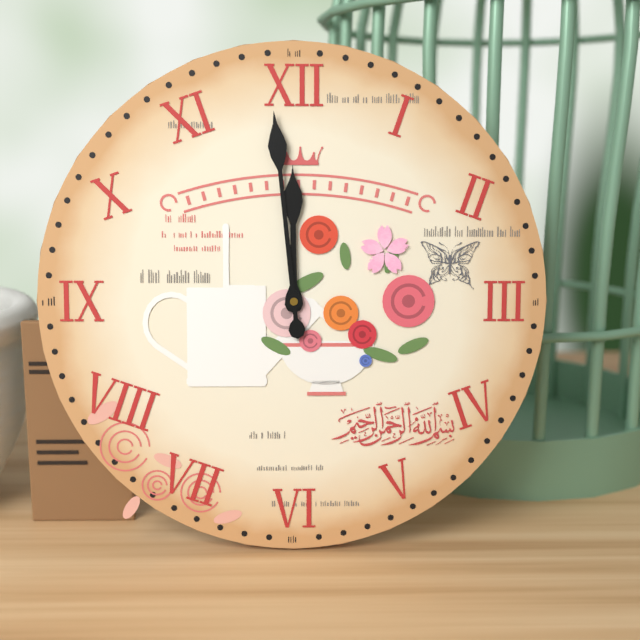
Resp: {"hour": 11, "minute": 59}
